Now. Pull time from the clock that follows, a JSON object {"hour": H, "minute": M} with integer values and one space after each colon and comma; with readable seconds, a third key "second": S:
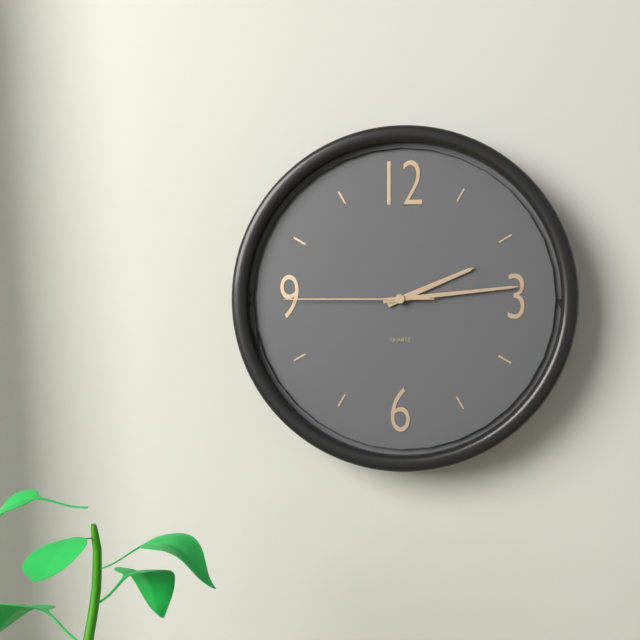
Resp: {"hour": 2, "minute": 14, "second": 45}
